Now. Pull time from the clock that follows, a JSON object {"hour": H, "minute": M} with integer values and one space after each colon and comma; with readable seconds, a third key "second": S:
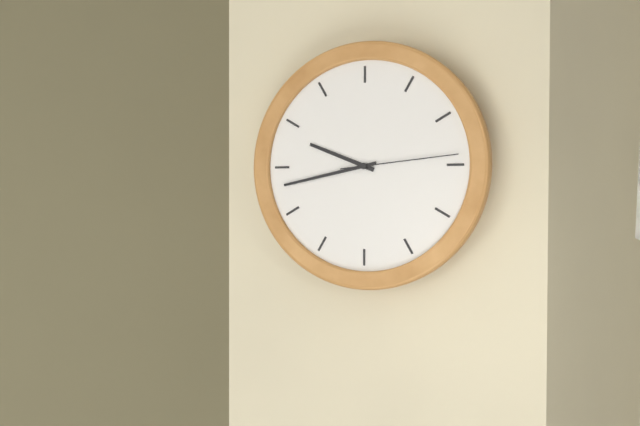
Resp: {"hour": 9, "minute": 43, "second": 14}
